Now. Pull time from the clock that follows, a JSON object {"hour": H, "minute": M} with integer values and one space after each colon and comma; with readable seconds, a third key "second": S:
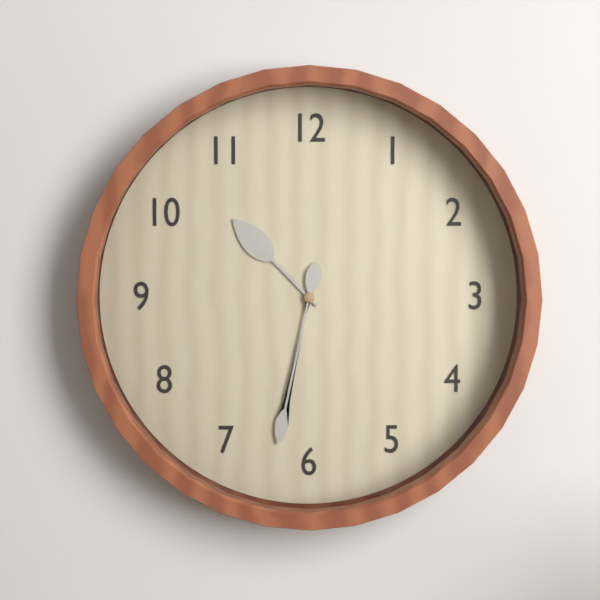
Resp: {"hour": 10, "minute": 32}
